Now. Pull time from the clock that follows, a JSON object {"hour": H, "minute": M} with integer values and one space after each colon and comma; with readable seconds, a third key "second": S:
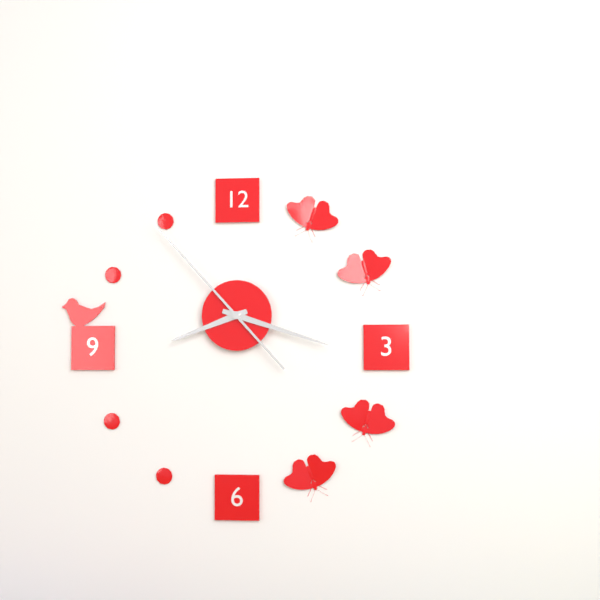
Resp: {"hour": 8, "minute": 18, "second": 53}
